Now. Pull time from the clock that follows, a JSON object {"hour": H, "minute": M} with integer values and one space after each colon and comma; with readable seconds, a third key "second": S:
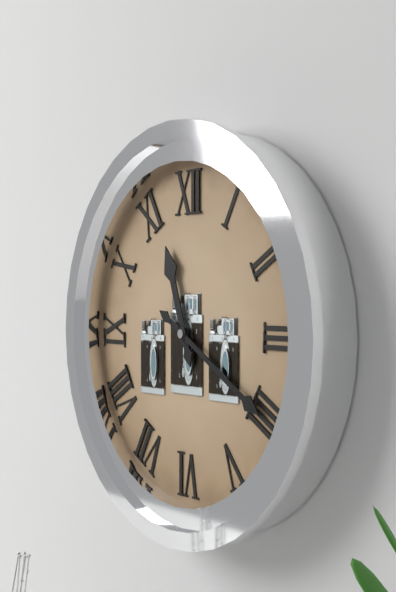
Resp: {"hour": 11, "minute": 20}
